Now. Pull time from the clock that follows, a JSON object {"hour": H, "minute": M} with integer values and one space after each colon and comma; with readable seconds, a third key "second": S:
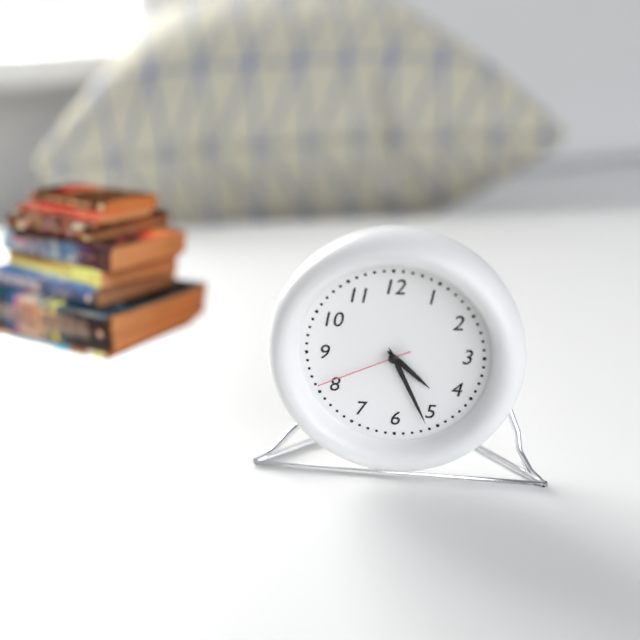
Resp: {"hour": 4, "minute": 26, "second": 41}
